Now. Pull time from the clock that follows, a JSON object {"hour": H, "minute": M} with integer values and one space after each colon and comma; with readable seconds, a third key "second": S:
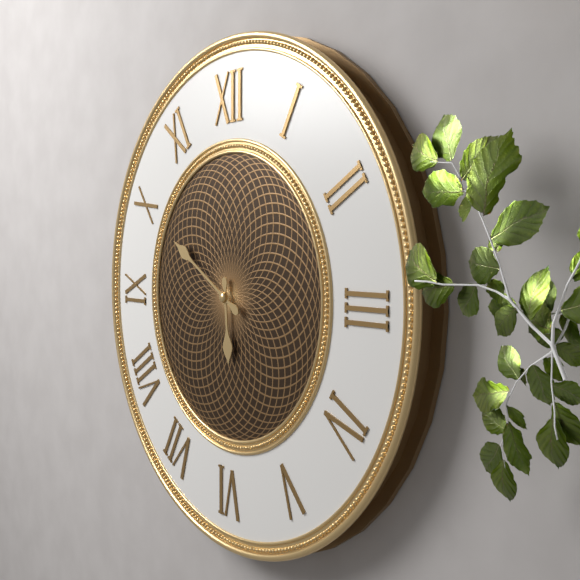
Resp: {"hour": 5, "minute": 50}
